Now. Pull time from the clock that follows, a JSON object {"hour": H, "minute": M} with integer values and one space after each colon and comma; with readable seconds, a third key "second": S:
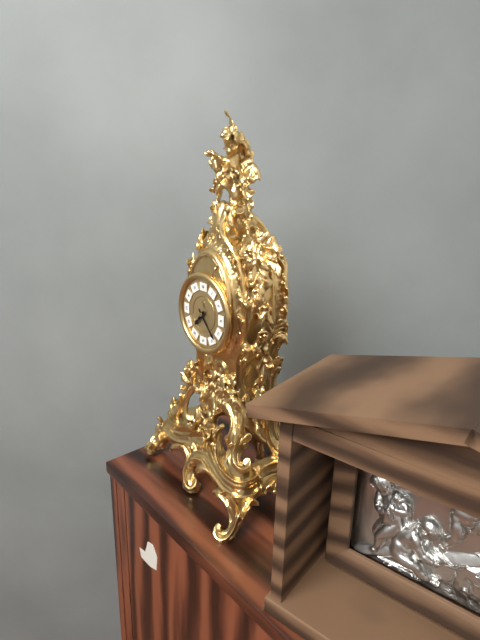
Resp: {"hour": 7, "minute": 23}
